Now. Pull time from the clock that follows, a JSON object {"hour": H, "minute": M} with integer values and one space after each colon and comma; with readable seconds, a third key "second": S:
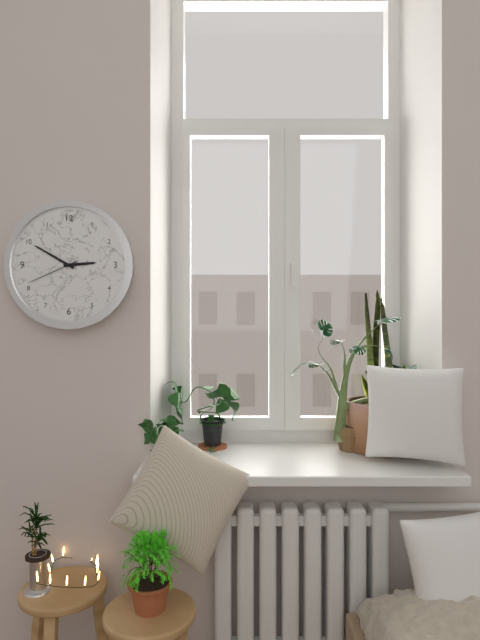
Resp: {"hour": 2, "minute": 50, "second": 41}
